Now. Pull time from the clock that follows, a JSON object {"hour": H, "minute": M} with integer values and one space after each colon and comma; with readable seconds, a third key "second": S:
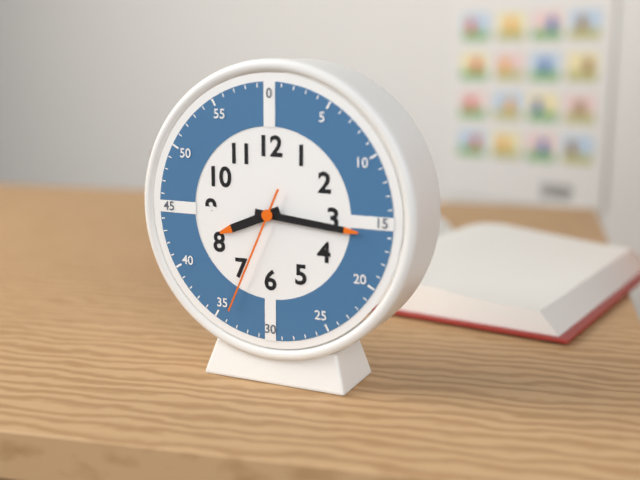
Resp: {"hour": 8, "minute": 16, "second": 34}
